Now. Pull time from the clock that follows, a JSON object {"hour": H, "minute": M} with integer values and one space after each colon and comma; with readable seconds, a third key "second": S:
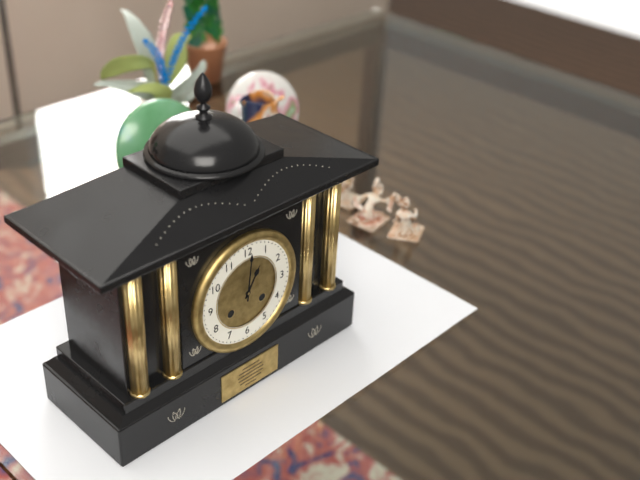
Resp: {"hour": 1, "minute": 1}
